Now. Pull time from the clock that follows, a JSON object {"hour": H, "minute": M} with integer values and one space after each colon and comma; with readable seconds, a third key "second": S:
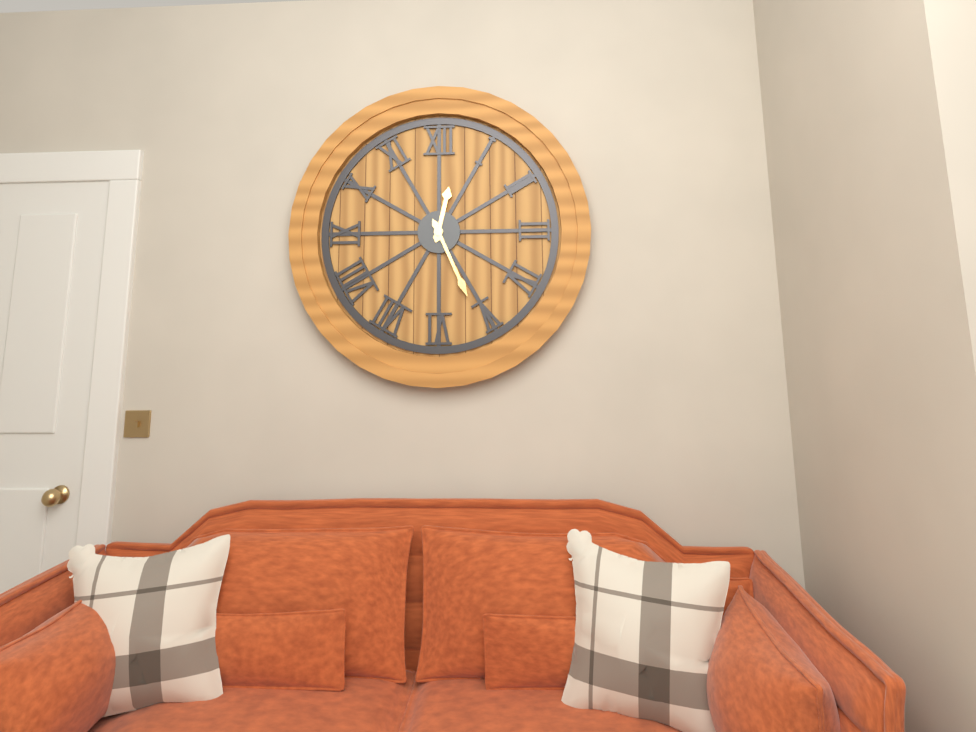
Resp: {"hour": 12, "minute": 26}
